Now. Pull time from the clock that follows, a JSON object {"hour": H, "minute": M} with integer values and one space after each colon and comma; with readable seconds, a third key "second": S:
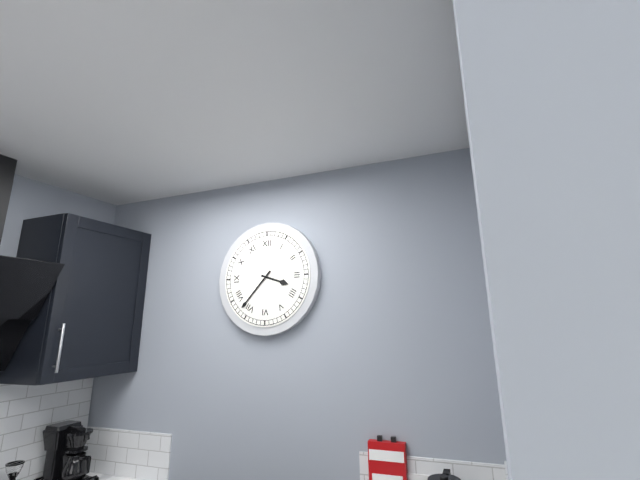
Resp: {"hour": 3, "minute": 37}
